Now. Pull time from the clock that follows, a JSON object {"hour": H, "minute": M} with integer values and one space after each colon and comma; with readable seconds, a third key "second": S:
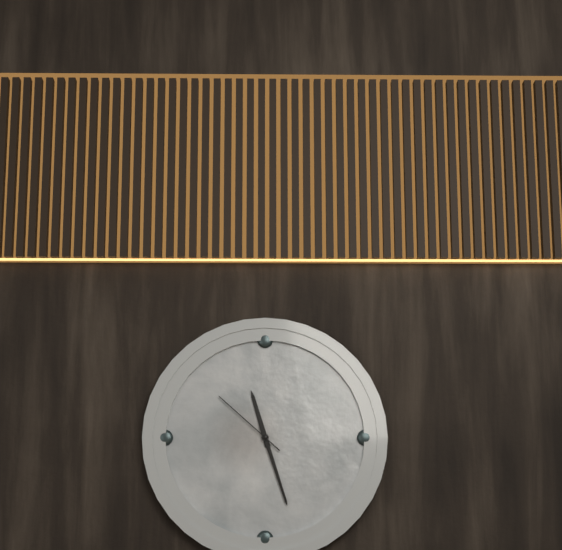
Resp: {"hour": 11, "minute": 27, "second": 52}
